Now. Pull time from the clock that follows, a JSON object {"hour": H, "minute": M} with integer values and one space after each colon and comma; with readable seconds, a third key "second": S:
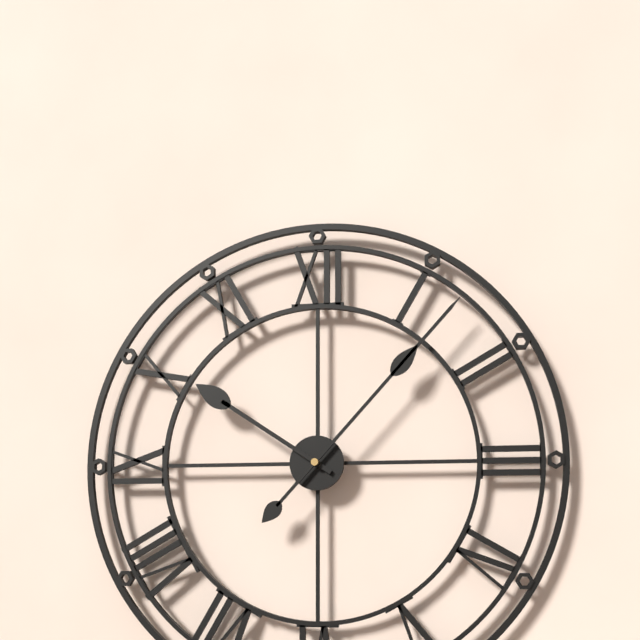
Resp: {"hour": 10, "minute": 7}
